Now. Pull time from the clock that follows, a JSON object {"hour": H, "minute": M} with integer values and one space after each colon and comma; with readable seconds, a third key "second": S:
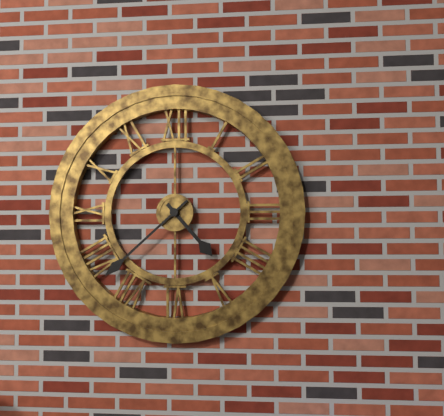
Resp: {"hour": 4, "minute": 38}
